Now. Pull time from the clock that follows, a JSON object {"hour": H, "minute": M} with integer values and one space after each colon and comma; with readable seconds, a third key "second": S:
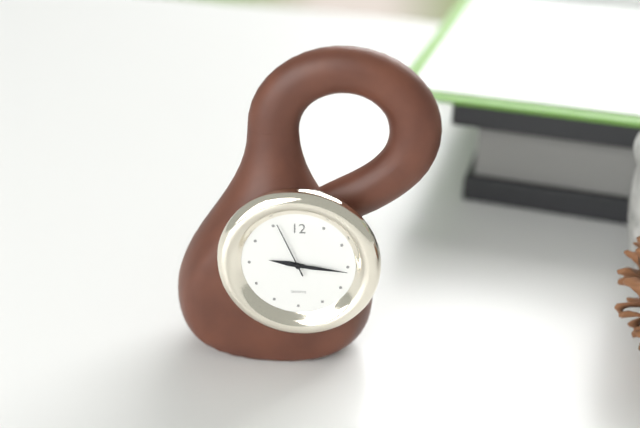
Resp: {"hour": 9, "minute": 16, "second": 56}
